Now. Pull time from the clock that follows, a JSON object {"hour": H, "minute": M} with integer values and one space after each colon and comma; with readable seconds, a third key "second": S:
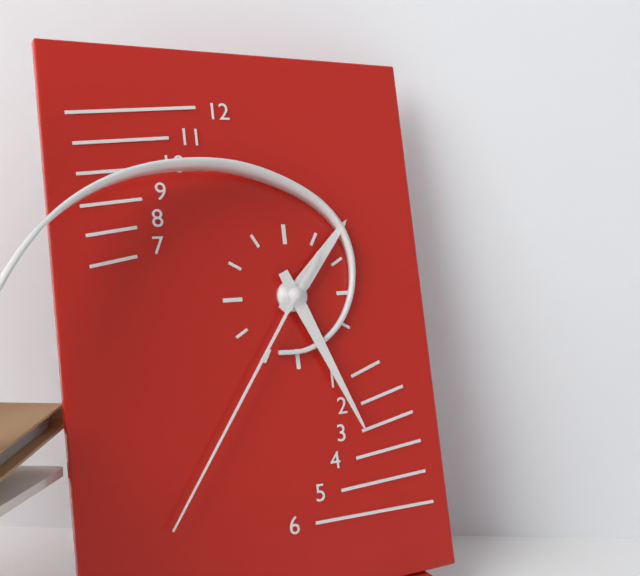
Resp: {"hour": 1, "minute": 26, "second": 36}
